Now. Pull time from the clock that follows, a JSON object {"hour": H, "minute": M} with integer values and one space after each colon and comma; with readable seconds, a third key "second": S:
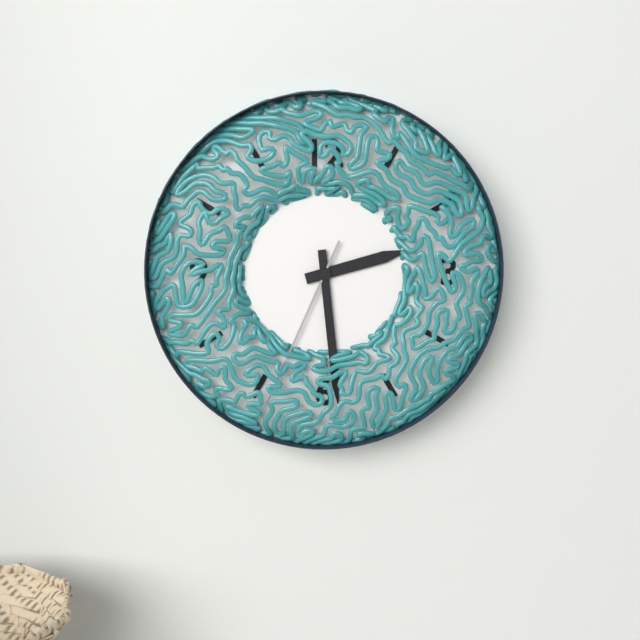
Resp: {"hour": 2, "minute": 29, "second": 34}
